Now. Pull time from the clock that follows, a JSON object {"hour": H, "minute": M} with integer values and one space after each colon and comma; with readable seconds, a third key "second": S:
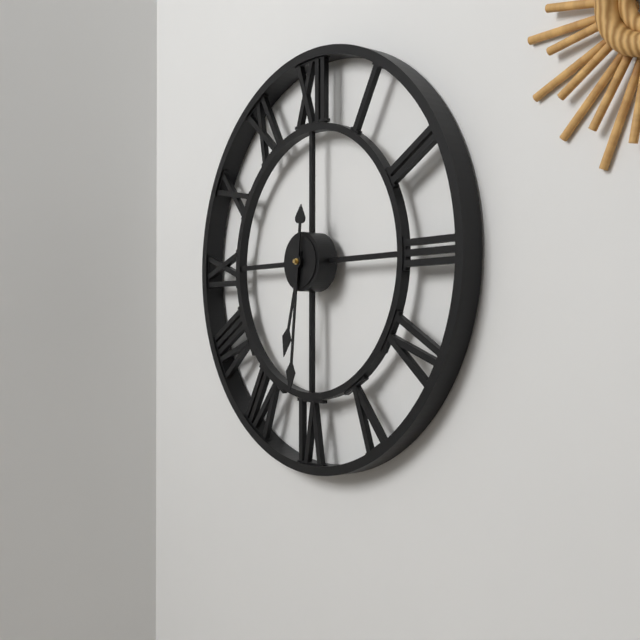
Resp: {"hour": 6, "minute": 31}
